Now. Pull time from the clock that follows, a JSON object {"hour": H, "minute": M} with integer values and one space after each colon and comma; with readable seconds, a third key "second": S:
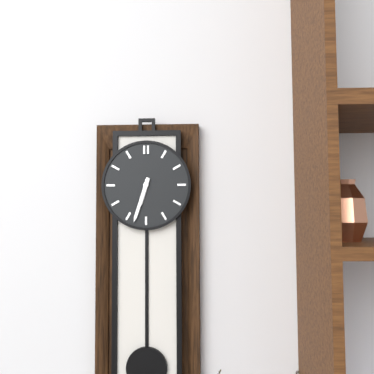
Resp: {"hour": 6, "minute": 33}
